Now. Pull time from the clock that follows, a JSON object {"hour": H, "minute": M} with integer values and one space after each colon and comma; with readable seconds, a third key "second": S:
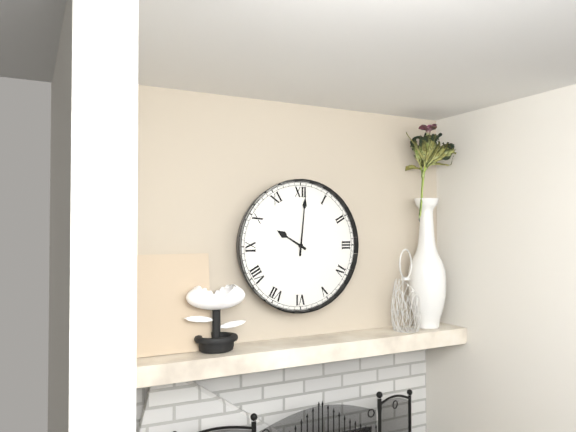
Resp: {"hour": 10, "minute": 1}
